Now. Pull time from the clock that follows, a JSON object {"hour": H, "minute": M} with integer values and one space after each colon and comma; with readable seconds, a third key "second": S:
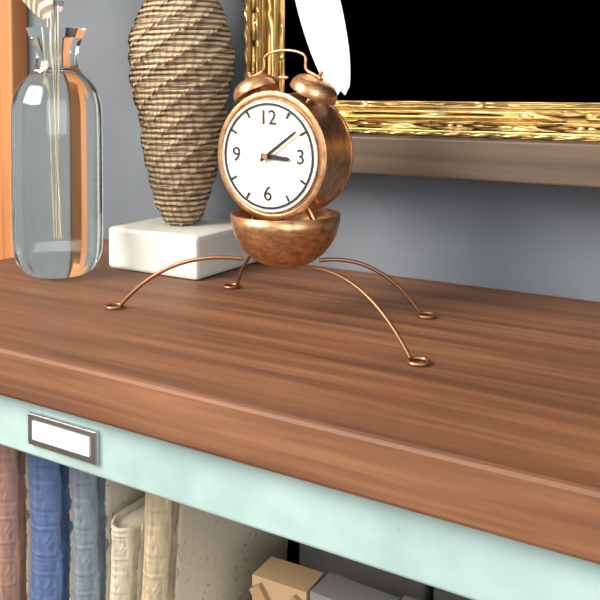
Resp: {"hour": 3, "minute": 9}
